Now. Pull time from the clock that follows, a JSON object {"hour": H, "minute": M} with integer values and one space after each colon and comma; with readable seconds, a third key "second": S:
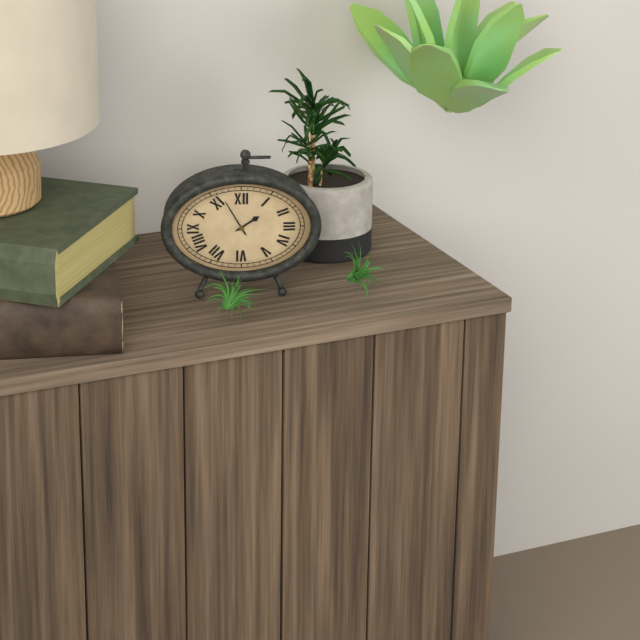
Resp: {"hour": 1, "minute": 55}
